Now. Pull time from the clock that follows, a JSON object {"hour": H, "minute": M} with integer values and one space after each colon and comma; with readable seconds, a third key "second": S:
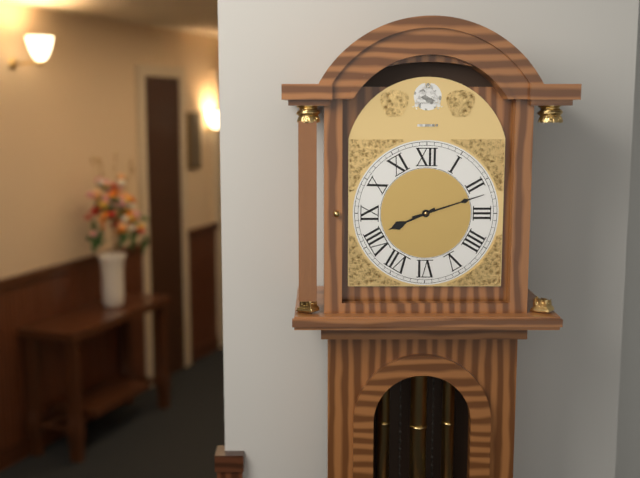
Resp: {"hour": 8, "minute": 12}
